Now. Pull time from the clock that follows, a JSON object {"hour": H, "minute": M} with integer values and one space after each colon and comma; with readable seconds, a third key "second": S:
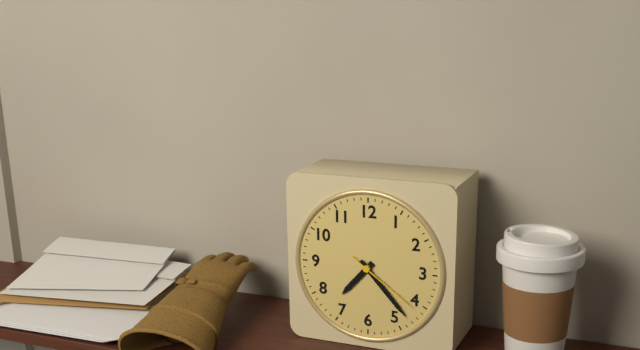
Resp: {"hour": 7, "minute": 23, "second": 21}
